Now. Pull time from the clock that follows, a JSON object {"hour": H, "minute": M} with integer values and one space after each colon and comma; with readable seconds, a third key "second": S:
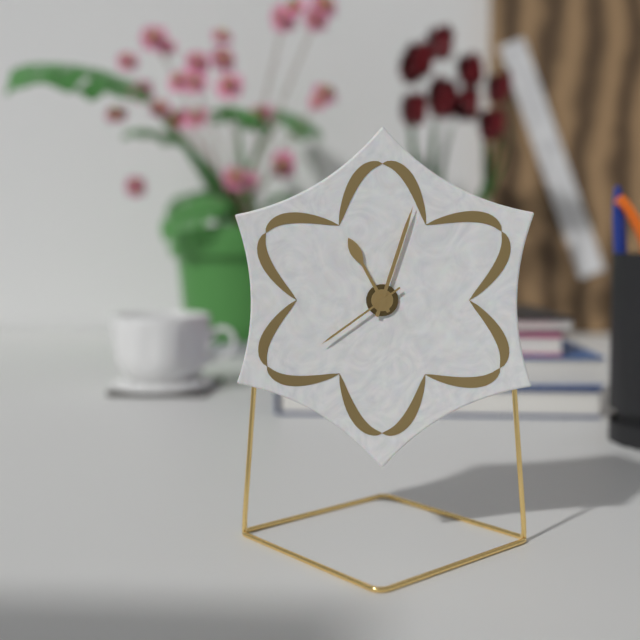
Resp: {"hour": 11, "minute": 3, "second": 39}
